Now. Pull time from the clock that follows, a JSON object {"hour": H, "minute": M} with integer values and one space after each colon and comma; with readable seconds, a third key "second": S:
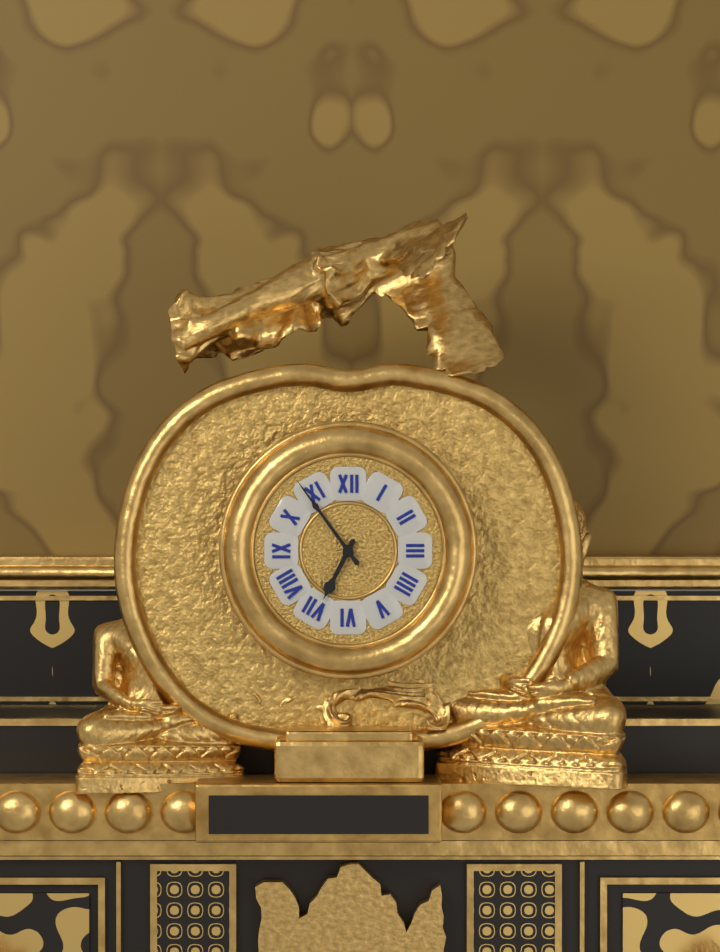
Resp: {"hour": 6, "minute": 54}
